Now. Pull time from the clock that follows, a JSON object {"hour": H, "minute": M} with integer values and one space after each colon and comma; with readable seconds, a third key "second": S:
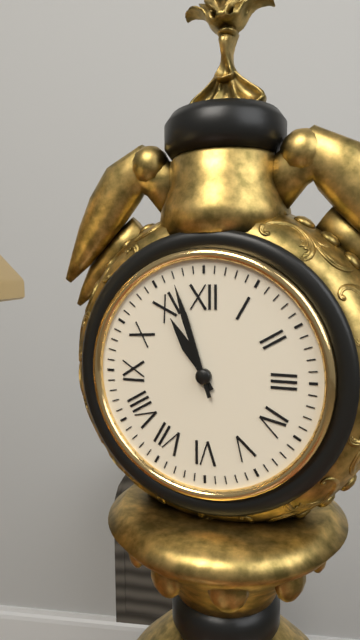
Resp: {"hour": 10, "minute": 57}
